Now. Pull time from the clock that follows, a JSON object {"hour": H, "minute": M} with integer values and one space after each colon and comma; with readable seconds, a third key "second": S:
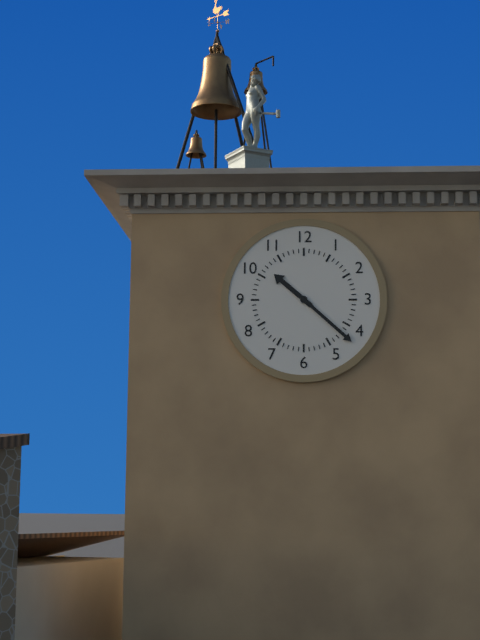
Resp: {"hour": 10, "minute": 22}
